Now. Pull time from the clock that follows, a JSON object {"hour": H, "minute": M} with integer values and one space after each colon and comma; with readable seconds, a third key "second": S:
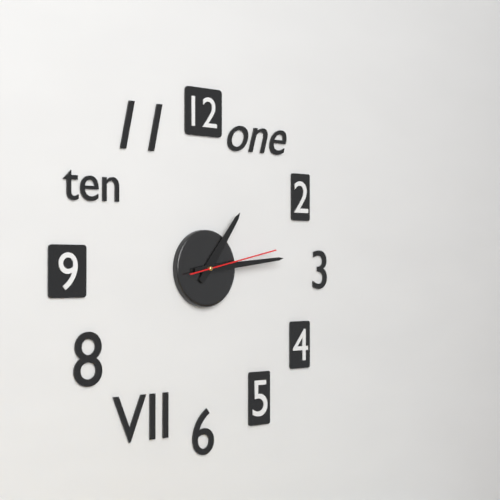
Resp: {"hour": 1, "minute": 14, "second": 13}
